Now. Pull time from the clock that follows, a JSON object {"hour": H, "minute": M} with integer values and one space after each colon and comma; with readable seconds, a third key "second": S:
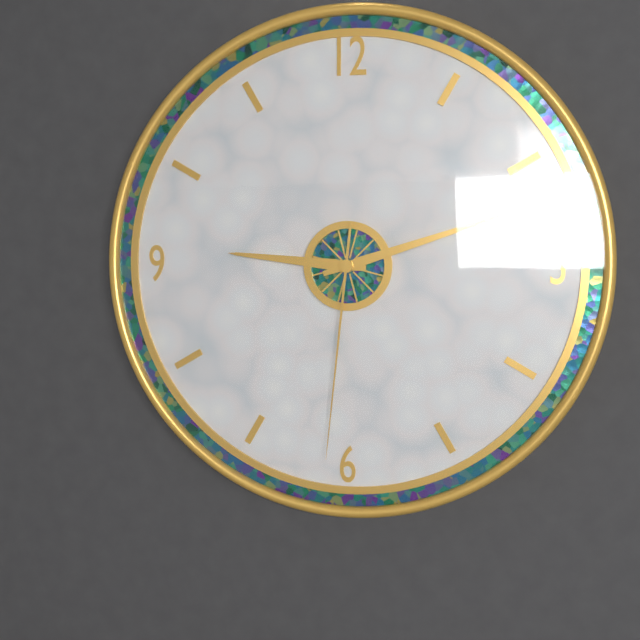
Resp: {"hour": 9, "minute": 12, "second": 31}
